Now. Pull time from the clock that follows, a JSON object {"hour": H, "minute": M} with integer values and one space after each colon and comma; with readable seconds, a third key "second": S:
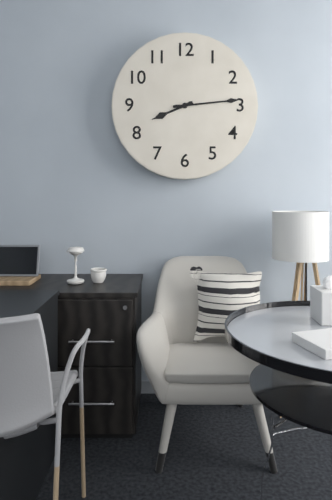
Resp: {"hour": 8, "minute": 14}
